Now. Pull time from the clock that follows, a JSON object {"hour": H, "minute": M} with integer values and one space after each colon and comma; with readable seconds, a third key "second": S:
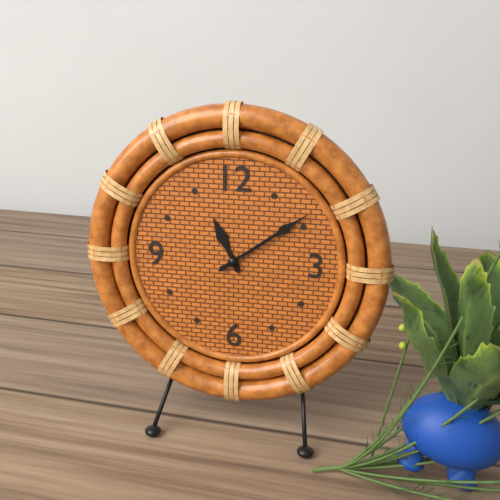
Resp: {"hour": 11, "minute": 9}
